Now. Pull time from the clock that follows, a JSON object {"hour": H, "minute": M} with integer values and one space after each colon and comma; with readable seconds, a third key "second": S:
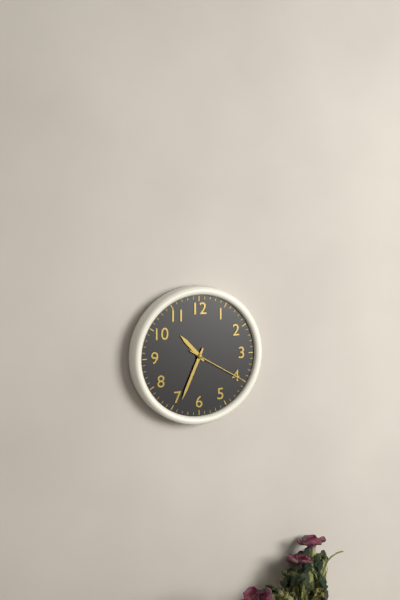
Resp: {"hour": 10, "minute": 34, "second": 20}
